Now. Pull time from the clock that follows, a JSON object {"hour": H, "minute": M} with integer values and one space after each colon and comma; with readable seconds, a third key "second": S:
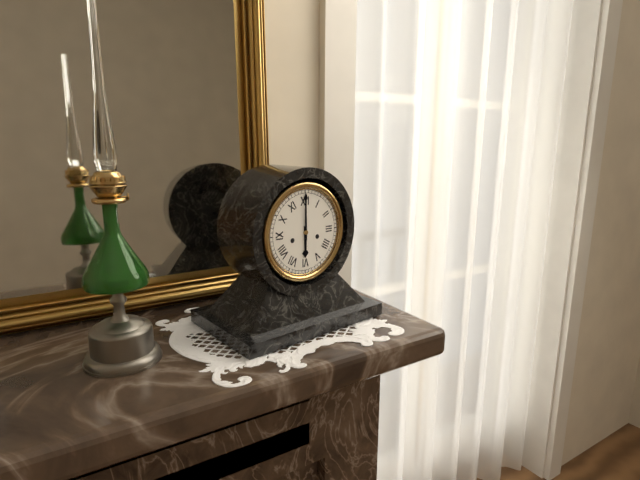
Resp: {"hour": 6, "minute": 0}
